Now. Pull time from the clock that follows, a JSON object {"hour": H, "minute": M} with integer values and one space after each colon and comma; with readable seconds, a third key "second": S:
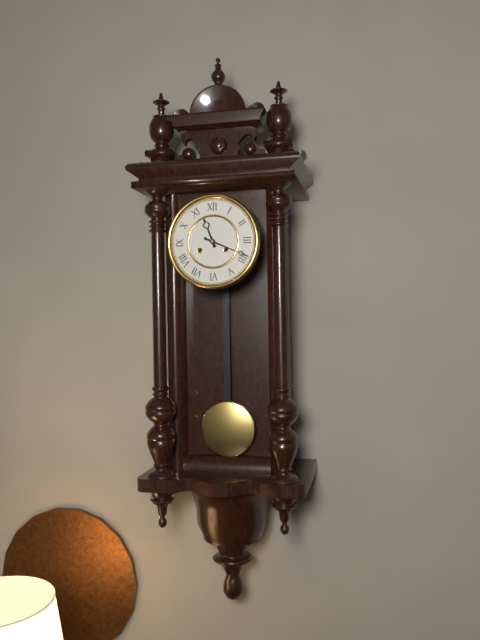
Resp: {"hour": 11, "minute": 19}
